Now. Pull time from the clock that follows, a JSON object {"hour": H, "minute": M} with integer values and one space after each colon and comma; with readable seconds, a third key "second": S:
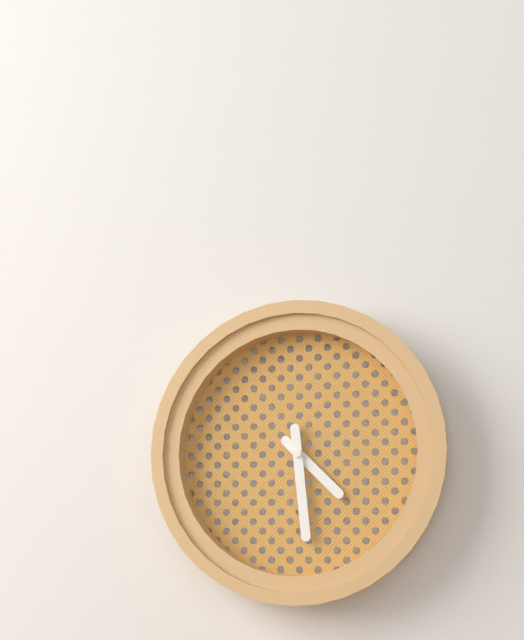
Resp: {"hour": 4, "minute": 29}
